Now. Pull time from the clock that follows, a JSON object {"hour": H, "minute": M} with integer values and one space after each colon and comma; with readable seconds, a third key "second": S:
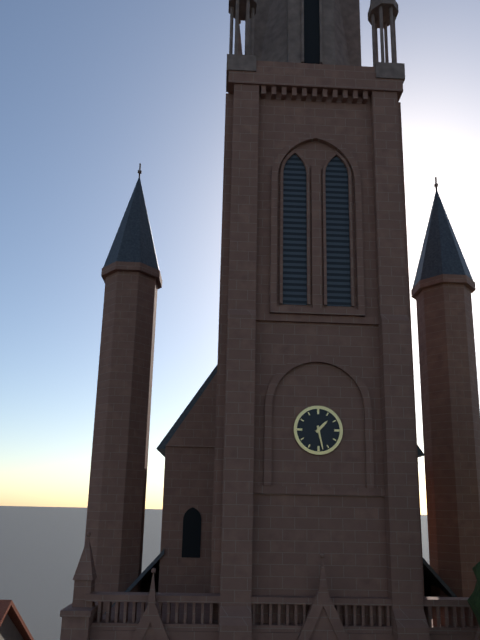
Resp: {"hour": 1, "minute": 28}
